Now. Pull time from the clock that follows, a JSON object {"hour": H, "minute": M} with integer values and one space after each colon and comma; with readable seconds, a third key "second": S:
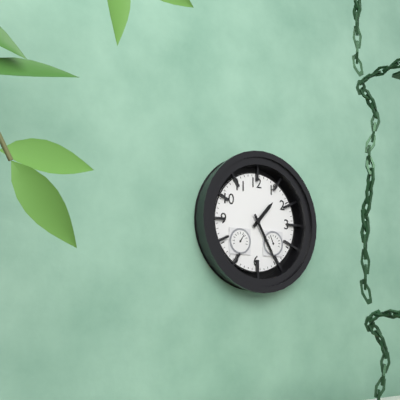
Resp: {"hour": 1, "minute": 25}
